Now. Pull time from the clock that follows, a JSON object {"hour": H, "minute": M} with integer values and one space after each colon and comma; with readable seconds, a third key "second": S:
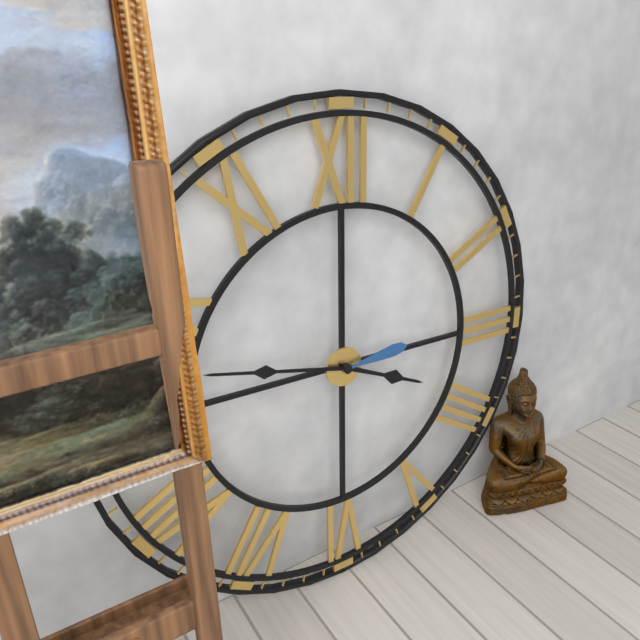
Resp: {"hour": 3, "minute": 47, "second": 14}
